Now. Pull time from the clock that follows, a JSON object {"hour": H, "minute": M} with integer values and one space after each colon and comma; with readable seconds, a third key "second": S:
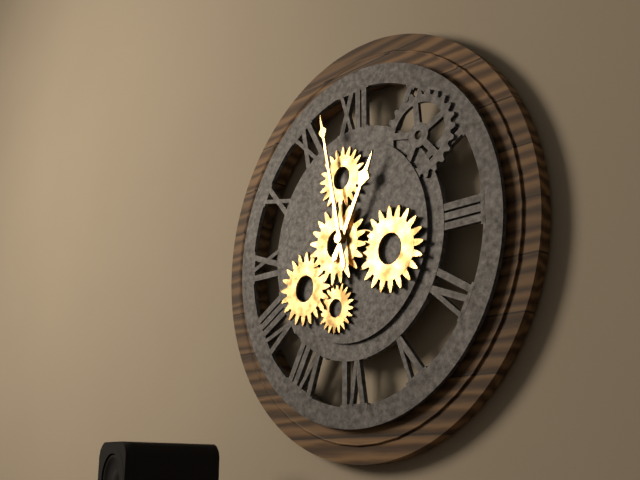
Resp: {"hour": 12, "minute": 58}
